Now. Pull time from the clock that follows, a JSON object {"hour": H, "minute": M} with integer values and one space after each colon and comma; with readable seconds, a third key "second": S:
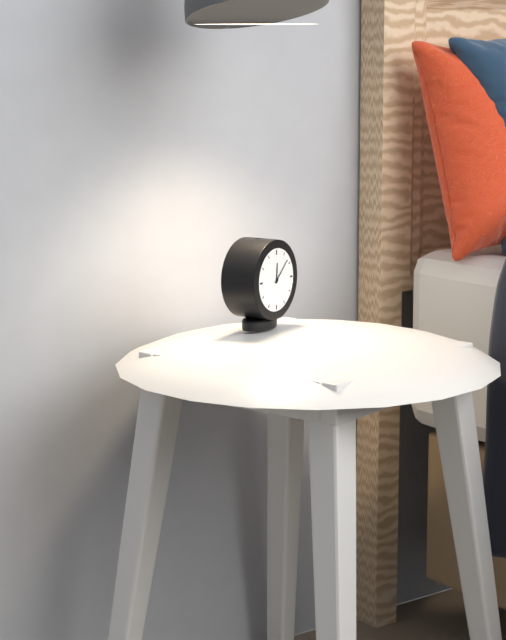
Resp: {"hour": 12, "minute": 8}
